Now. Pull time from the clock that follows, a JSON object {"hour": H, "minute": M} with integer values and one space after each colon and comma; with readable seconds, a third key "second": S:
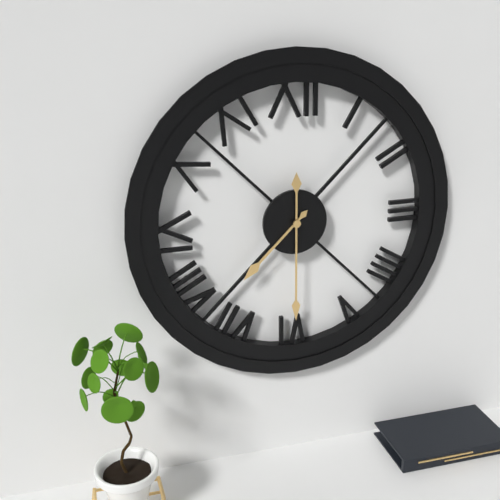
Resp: {"hour": 7, "minute": 30}
